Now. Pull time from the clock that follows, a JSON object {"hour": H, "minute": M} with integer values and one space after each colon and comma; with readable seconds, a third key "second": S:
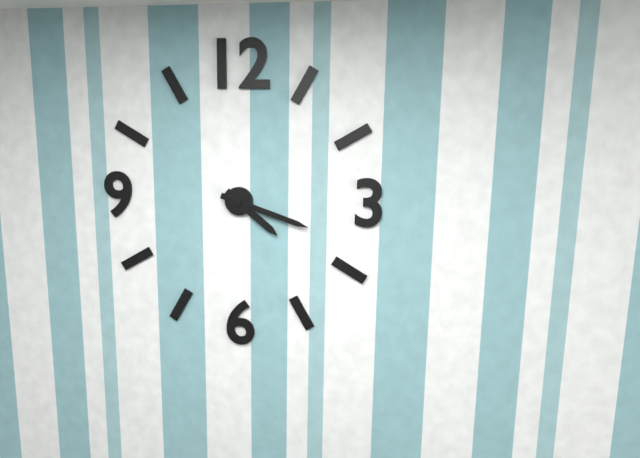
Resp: {"hour": 4, "minute": 18}
